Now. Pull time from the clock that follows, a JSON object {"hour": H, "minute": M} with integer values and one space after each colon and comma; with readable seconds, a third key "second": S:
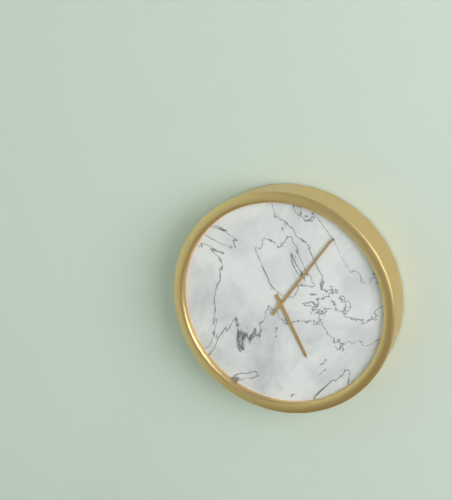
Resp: {"hour": 5, "minute": 6}
